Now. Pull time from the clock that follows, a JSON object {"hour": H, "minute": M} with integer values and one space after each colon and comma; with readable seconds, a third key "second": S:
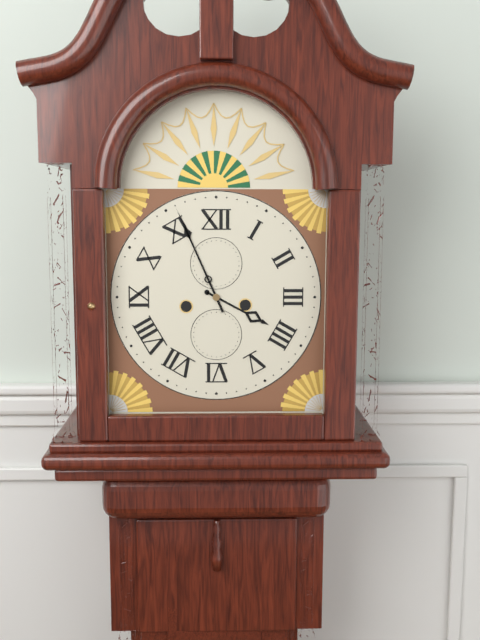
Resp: {"hour": 3, "minute": 56}
